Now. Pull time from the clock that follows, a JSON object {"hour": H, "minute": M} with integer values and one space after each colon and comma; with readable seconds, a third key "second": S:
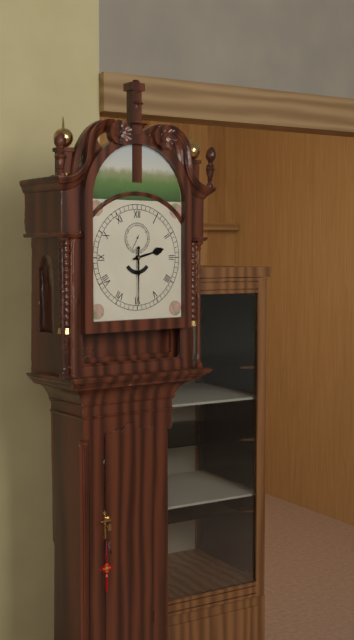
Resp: {"hour": 2, "minute": 30}
